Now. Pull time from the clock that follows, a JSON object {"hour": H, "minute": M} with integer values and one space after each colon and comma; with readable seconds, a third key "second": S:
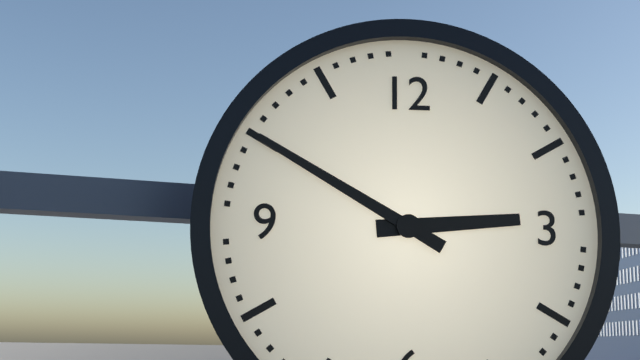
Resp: {"hour": 2, "minute": 50}
